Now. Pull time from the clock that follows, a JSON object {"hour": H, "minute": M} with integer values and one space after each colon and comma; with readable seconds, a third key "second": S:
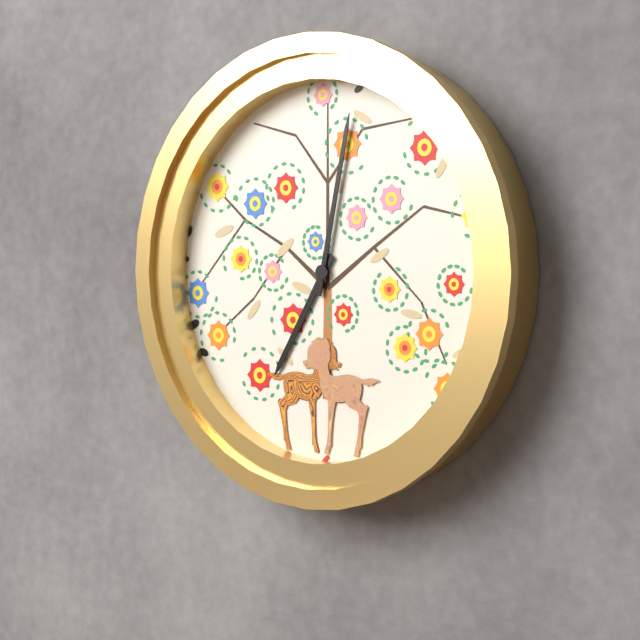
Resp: {"hour": 7, "minute": 2}
